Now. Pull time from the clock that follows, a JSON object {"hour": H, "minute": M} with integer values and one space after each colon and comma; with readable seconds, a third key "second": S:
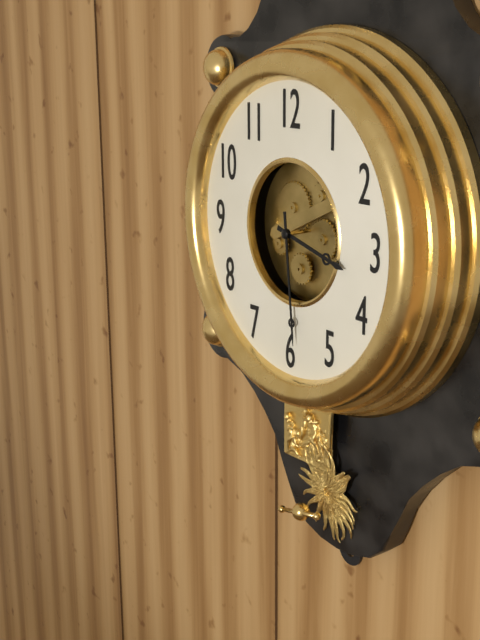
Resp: {"hour": 3, "minute": 29}
